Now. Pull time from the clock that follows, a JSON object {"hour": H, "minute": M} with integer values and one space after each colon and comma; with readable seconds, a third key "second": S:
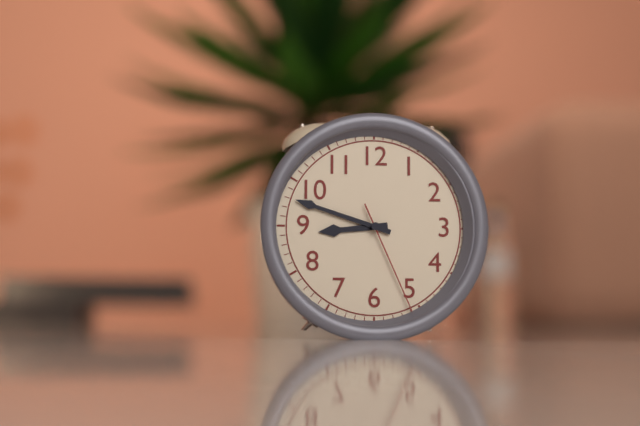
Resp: {"hour": 8, "minute": 48, "second": 26}
